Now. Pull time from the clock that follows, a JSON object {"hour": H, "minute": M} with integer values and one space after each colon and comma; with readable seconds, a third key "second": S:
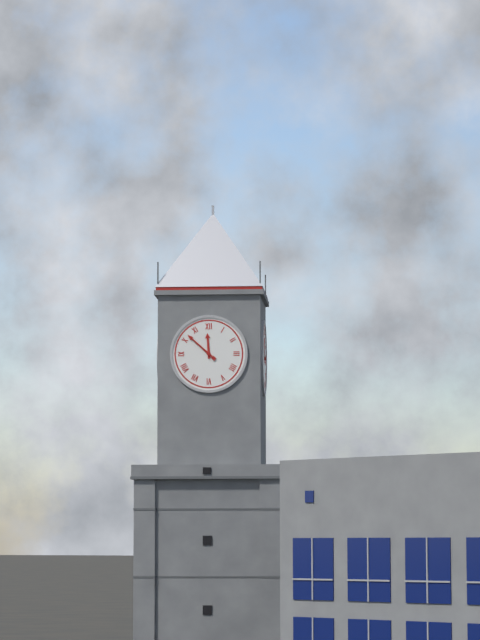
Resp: {"hour": 11, "minute": 52}
